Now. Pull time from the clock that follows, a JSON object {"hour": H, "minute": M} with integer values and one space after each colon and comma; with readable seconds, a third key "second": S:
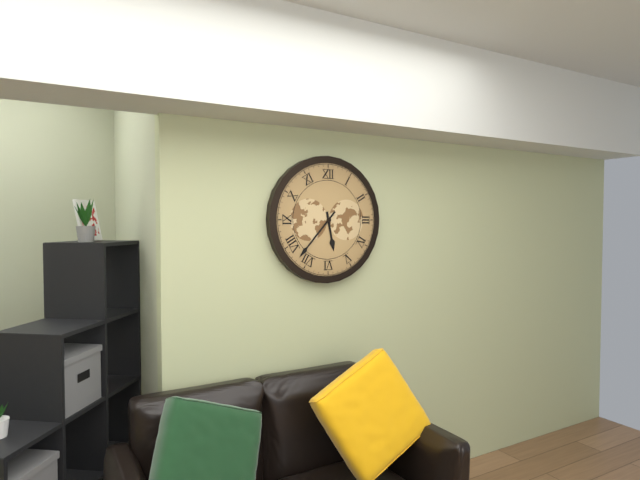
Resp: {"hour": 5, "minute": 37}
